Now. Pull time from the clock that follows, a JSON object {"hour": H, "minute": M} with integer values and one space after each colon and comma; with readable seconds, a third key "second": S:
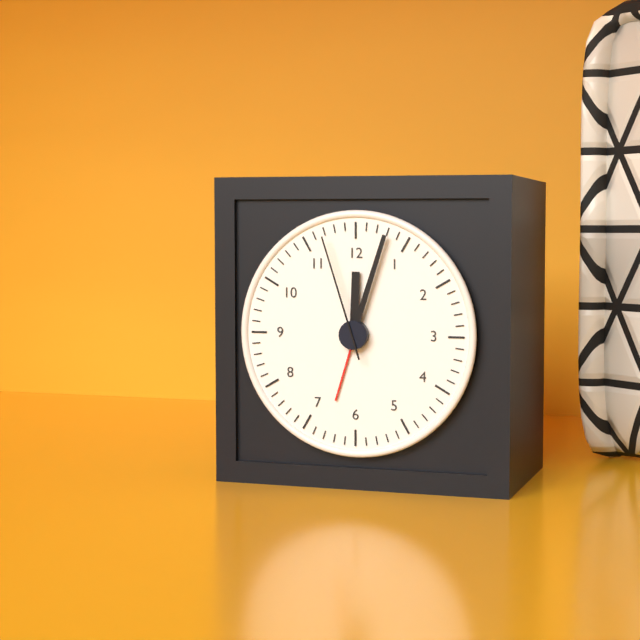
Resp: {"hour": 12, "minute": 3, "second": 57}
